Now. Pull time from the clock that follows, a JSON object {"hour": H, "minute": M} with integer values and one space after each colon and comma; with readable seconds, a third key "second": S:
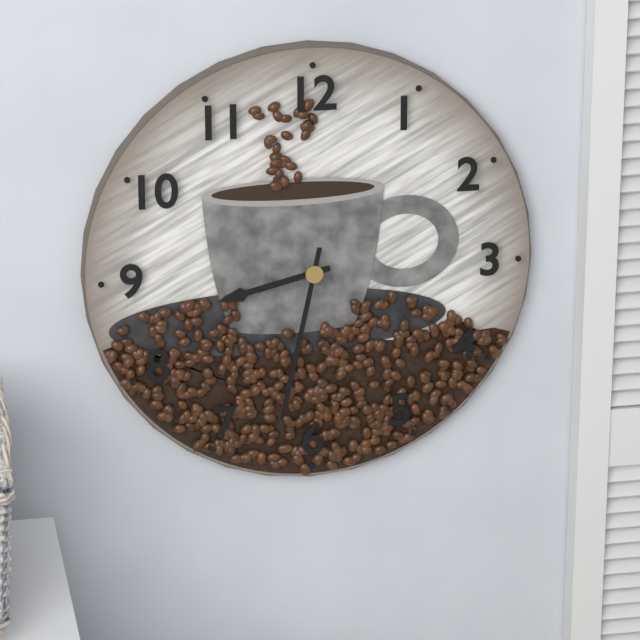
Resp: {"hour": 8, "minute": 32}
